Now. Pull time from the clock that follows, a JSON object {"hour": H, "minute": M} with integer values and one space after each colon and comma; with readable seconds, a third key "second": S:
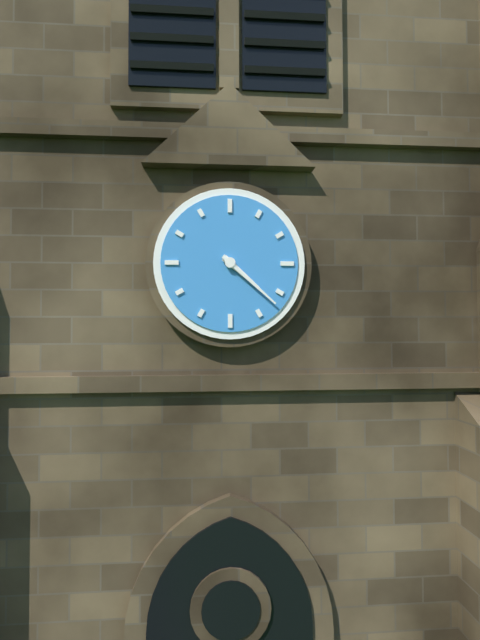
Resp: {"hour": 4, "minute": 22}
